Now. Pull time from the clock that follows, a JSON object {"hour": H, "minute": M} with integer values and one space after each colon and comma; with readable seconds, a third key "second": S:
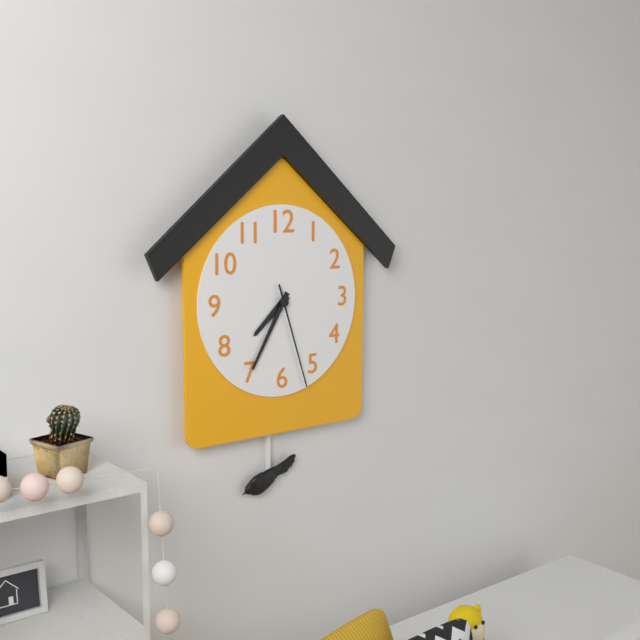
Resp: {"hour": 7, "minute": 35, "second": 27}
